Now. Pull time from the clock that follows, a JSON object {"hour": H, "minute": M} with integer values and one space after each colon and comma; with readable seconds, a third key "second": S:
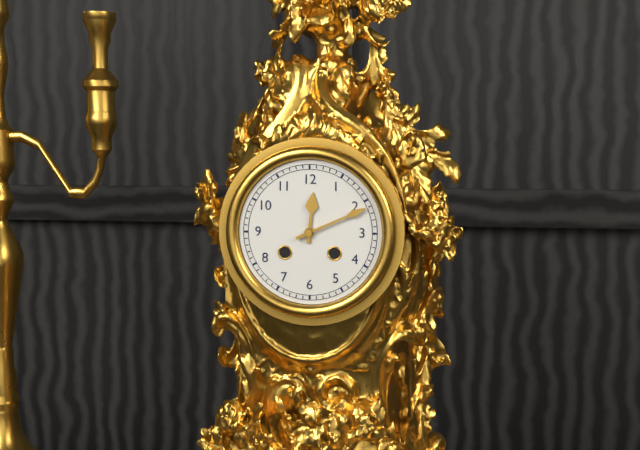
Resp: {"hour": 12, "minute": 11}
